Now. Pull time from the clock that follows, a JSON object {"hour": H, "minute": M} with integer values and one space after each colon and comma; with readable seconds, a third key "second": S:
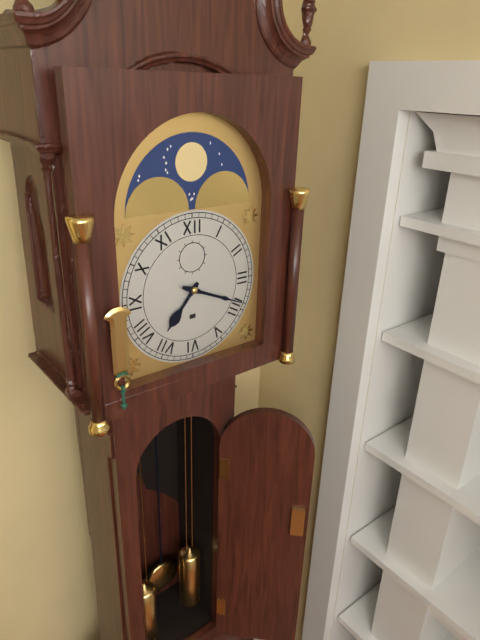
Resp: {"hour": 7, "minute": 19}
